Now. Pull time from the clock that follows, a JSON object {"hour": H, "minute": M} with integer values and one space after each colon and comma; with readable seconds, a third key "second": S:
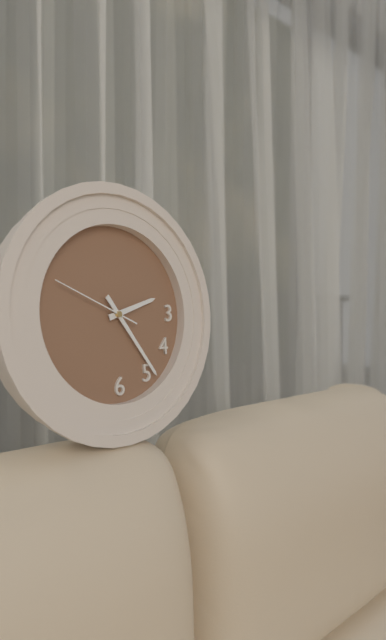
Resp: {"hour": 2, "minute": 24, "second": 49}
